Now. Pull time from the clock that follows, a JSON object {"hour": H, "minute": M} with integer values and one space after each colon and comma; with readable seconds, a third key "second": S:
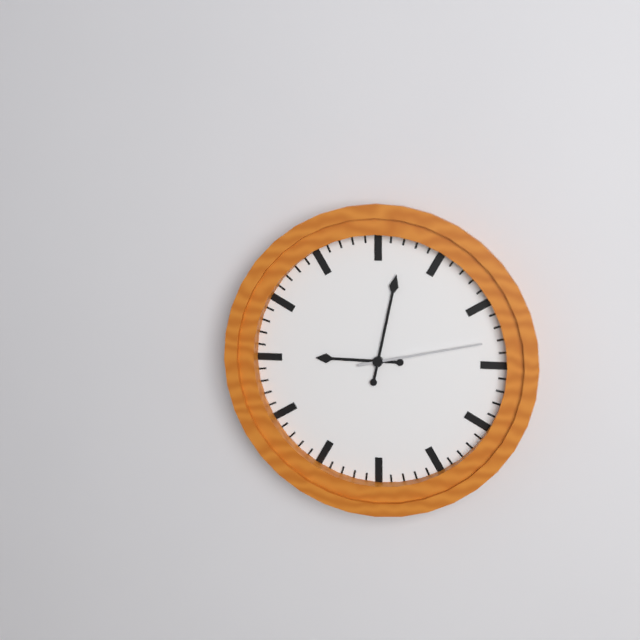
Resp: {"hour": 9, "minute": 2, "second": 13}
